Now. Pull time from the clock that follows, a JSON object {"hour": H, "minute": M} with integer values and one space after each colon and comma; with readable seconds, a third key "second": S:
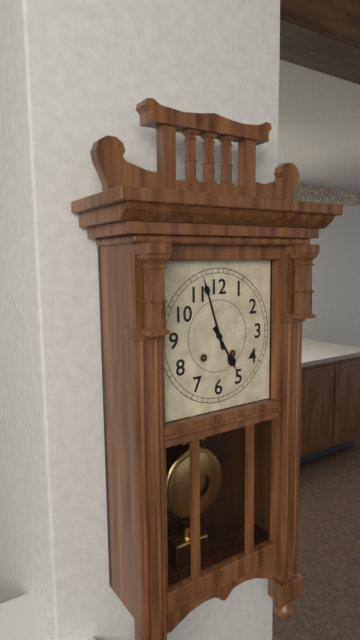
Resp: {"hour": 4, "minute": 57}
